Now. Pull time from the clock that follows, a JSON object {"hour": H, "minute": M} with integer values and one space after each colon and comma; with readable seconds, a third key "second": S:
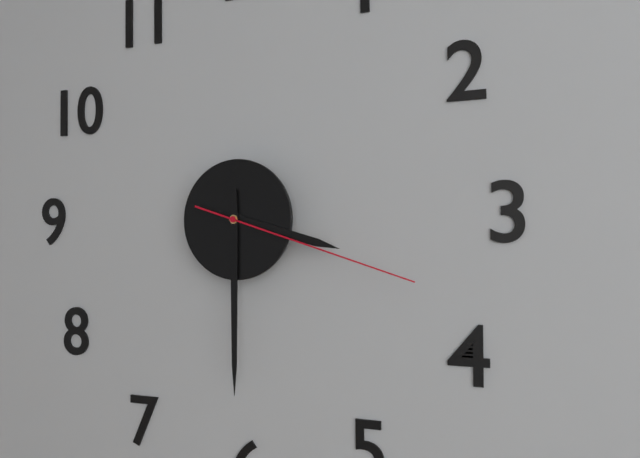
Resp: {"hour": 3, "minute": 30, "second": 18}
